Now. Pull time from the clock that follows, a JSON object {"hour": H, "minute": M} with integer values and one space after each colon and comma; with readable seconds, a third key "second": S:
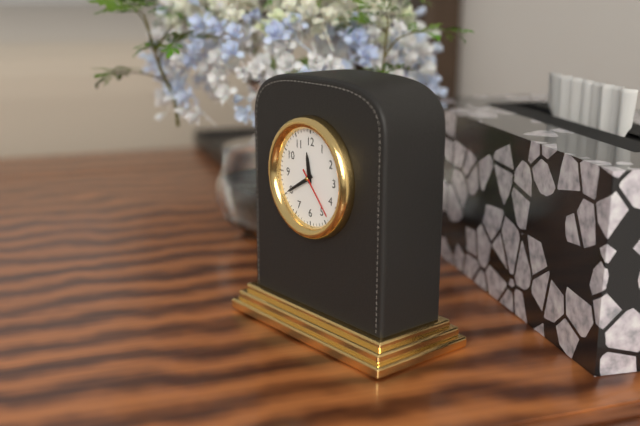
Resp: {"hour": 11, "minute": 40, "second": 23}
